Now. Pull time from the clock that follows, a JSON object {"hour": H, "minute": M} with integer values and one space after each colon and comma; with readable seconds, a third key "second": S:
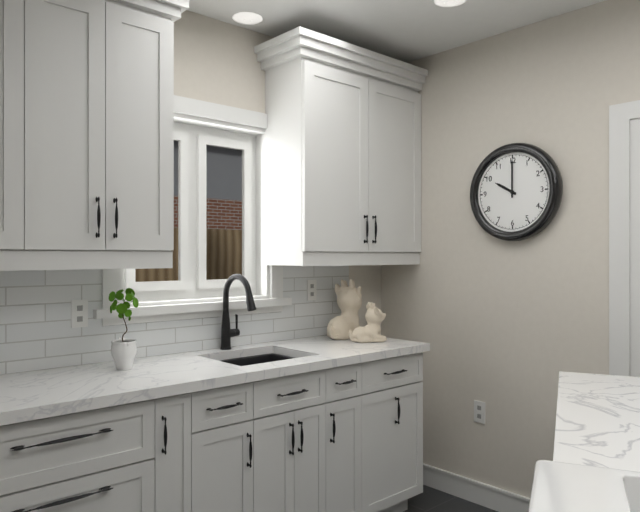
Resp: {"hour": 10, "minute": 0}
